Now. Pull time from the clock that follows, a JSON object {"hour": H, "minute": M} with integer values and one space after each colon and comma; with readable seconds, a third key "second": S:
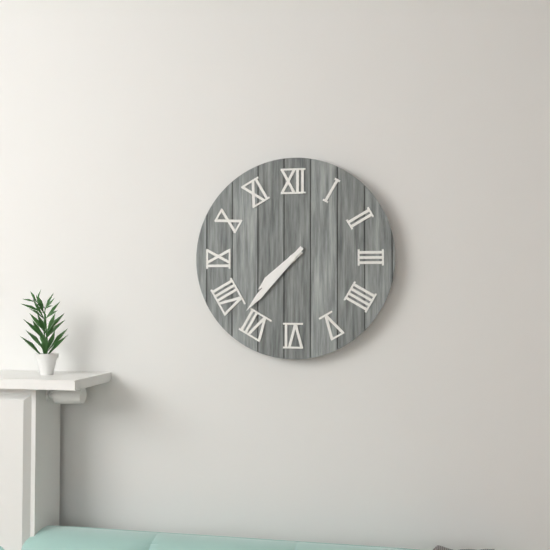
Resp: {"hour": 7, "minute": 37}
